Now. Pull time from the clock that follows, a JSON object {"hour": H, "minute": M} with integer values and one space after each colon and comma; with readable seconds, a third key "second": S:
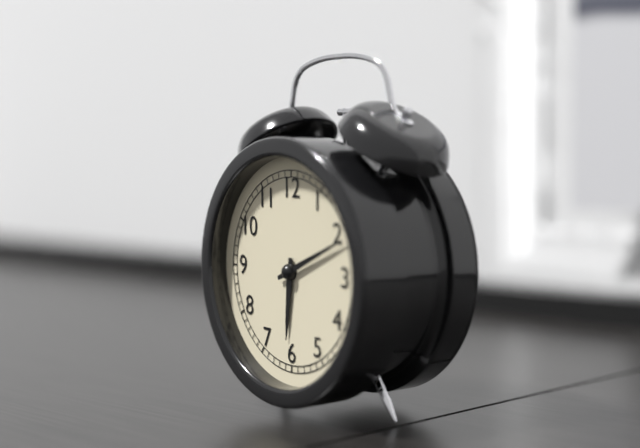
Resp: {"hour": 6, "minute": 11}
